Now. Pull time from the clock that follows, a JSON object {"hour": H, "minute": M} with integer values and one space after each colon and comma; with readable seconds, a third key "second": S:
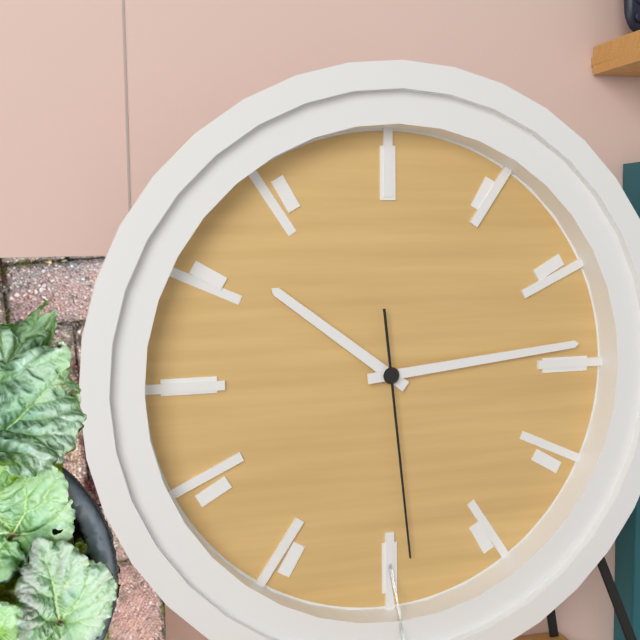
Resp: {"hour": 10, "minute": 14, "second": 29}
